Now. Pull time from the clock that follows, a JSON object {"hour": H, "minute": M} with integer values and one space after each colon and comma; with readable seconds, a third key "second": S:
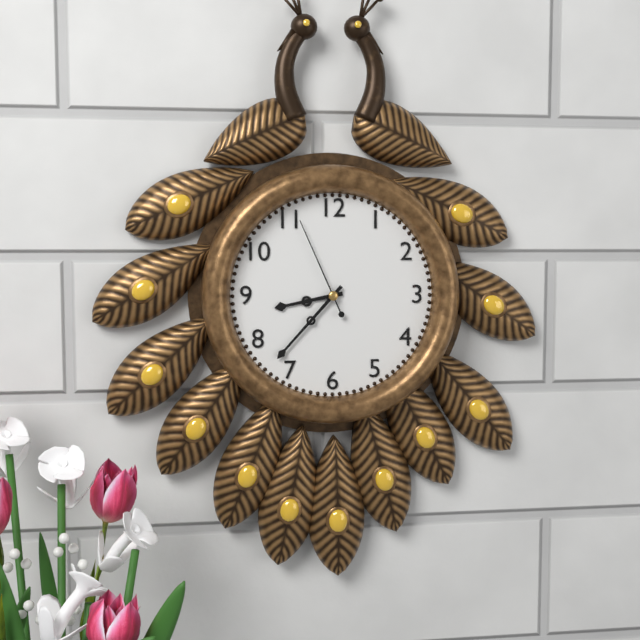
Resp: {"hour": 8, "minute": 37, "second": 56}
